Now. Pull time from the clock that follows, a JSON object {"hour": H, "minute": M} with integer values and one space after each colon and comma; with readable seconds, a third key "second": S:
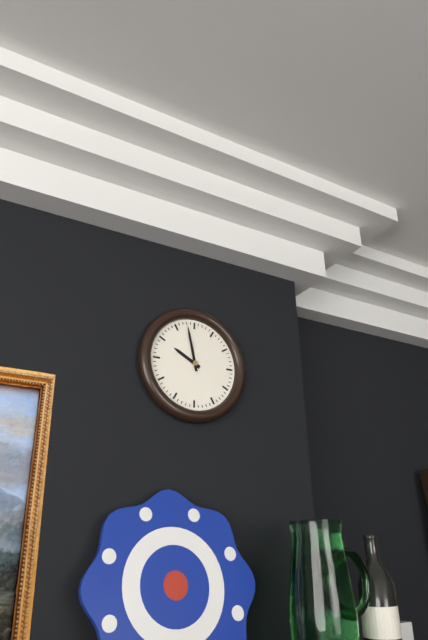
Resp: {"hour": 9, "minute": 58}
